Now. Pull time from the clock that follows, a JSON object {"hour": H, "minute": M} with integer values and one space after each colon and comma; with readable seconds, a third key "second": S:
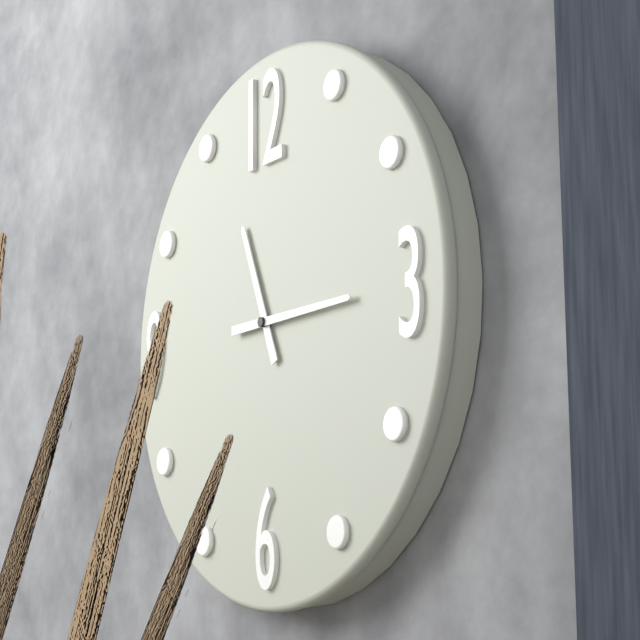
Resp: {"hour": 11, "minute": 15}
